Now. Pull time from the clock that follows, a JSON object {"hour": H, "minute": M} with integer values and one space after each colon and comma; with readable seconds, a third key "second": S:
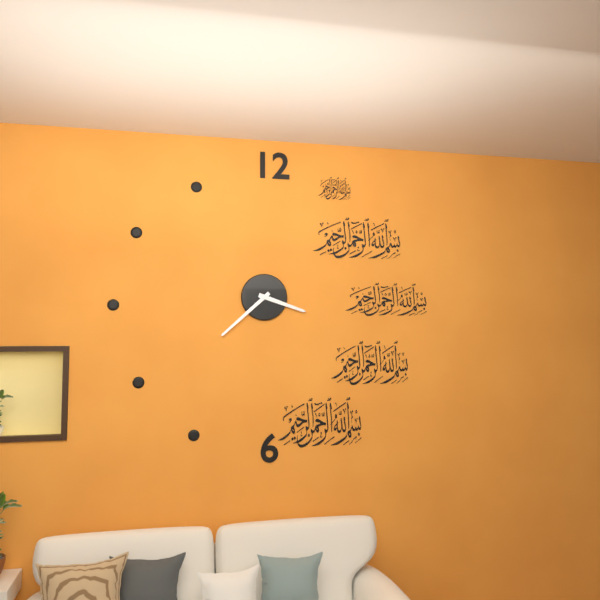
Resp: {"hour": 3, "minute": 38}
